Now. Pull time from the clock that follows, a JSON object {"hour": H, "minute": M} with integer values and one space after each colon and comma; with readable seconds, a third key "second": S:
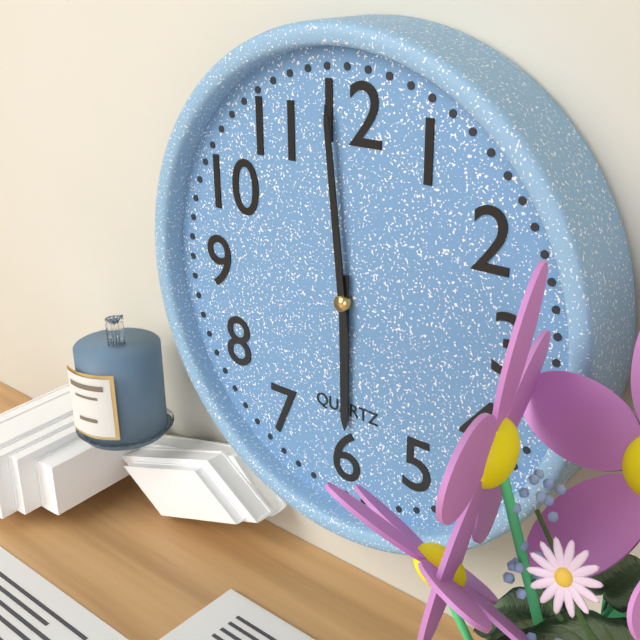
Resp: {"hour": 5, "minute": 59}
